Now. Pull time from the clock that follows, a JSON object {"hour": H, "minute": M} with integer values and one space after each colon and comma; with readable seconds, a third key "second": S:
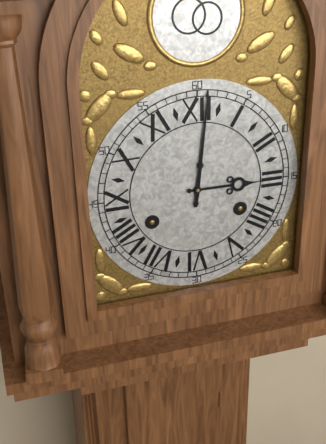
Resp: {"hour": 3, "minute": 1}
